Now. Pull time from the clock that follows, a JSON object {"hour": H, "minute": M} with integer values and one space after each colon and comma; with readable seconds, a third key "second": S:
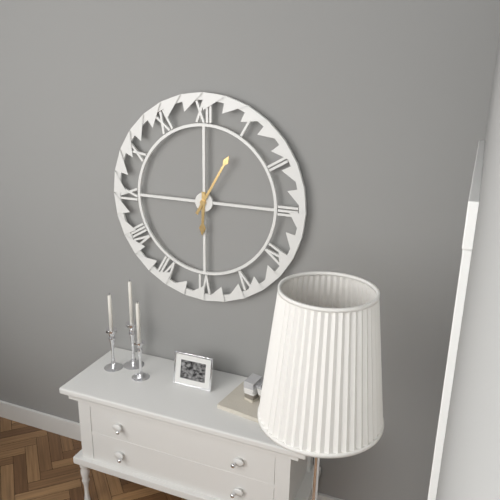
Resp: {"hour": 6, "minute": 5}
